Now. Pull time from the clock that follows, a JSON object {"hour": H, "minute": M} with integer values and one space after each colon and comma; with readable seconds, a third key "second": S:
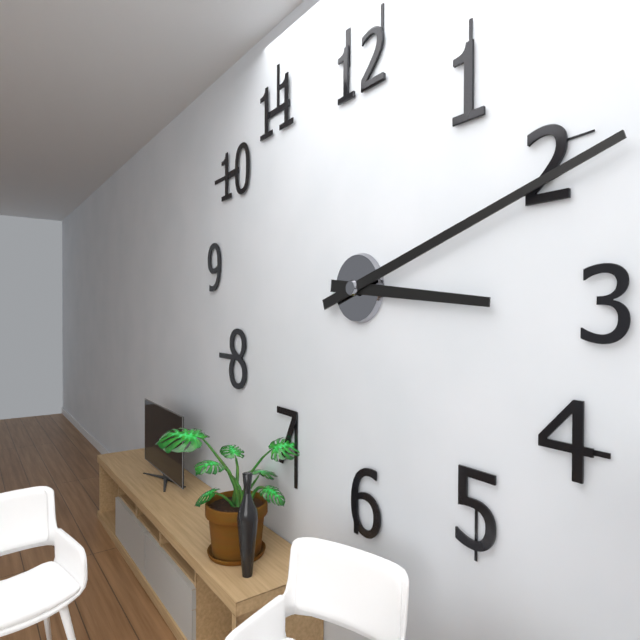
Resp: {"hour": 3, "minute": 12}
